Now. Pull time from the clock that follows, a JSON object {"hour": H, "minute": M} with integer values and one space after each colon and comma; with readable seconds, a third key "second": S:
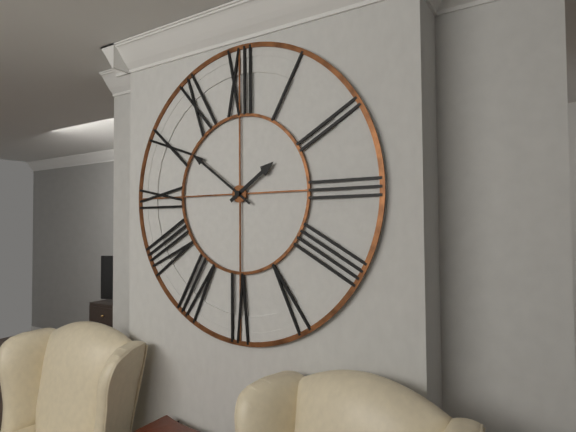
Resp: {"hour": 1, "minute": 51}
